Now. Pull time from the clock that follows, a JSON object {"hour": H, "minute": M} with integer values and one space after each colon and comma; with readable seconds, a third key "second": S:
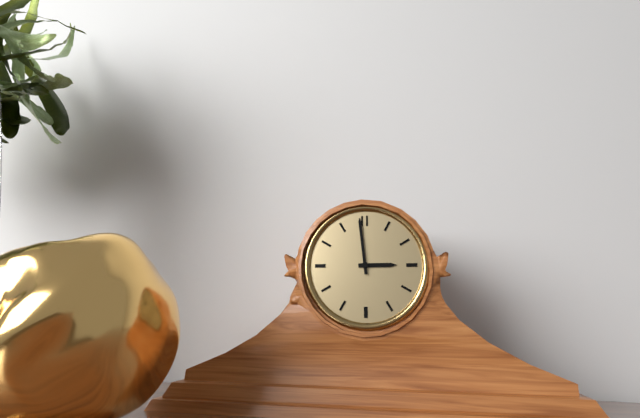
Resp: {"hour": 2, "minute": 59}
